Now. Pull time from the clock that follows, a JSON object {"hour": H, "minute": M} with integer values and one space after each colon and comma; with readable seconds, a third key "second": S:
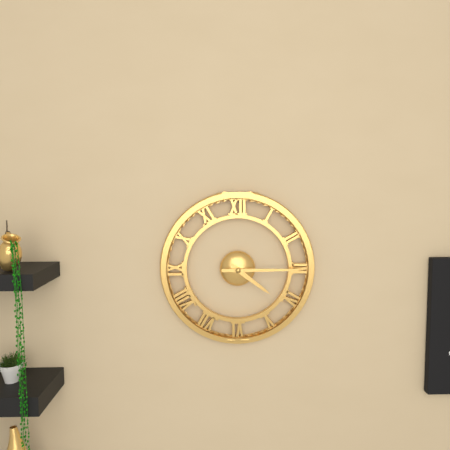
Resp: {"hour": 4, "minute": 15}
